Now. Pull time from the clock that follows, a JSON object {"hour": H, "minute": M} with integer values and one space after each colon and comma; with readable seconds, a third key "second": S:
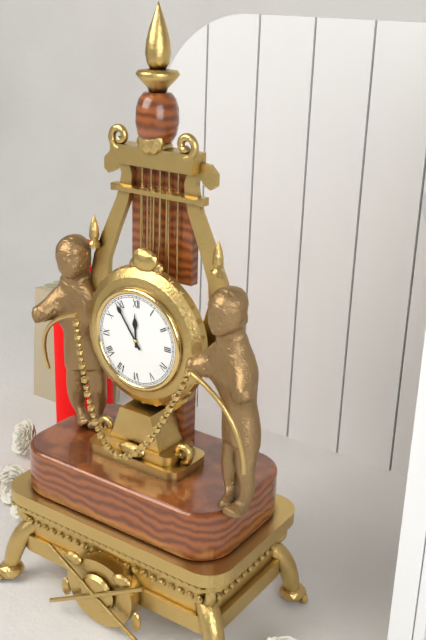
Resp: {"hour": 11, "minute": 54}
